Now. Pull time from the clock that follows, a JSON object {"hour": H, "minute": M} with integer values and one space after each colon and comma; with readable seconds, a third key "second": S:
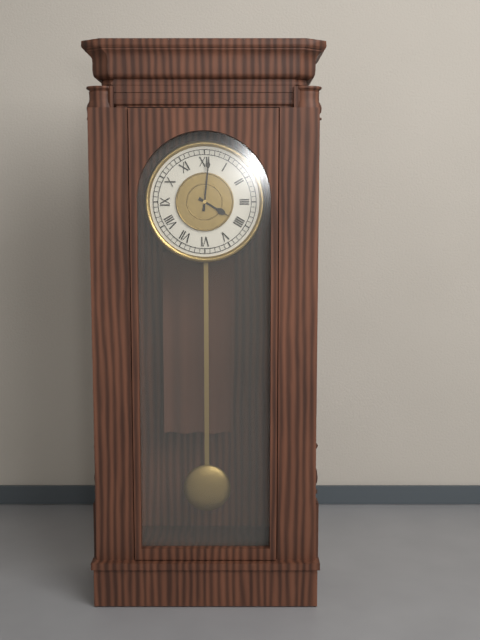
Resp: {"hour": 4, "minute": 1}
